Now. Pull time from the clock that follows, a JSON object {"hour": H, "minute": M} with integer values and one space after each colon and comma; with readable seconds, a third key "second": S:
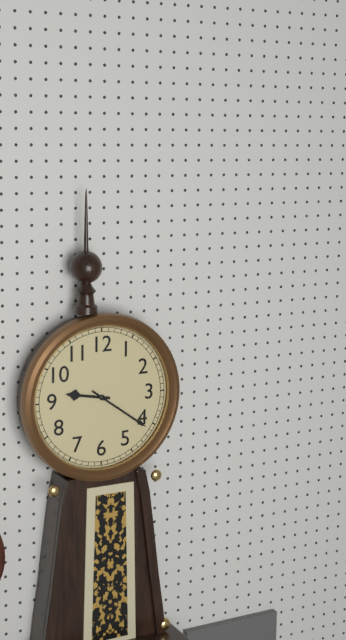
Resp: {"hour": 9, "minute": 21}
